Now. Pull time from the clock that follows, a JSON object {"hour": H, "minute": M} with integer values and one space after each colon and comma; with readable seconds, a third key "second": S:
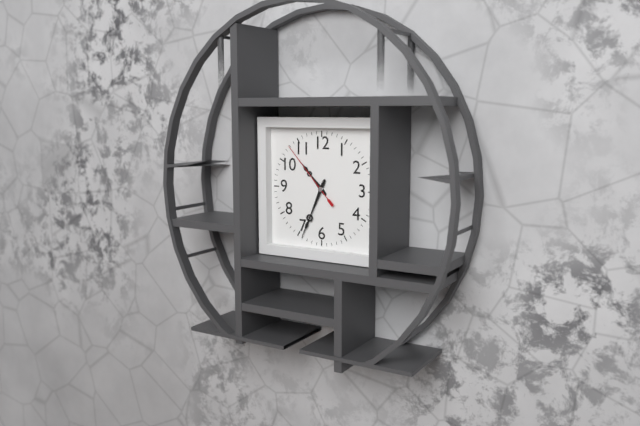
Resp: {"hour": 10, "minute": 34, "second": 53}
